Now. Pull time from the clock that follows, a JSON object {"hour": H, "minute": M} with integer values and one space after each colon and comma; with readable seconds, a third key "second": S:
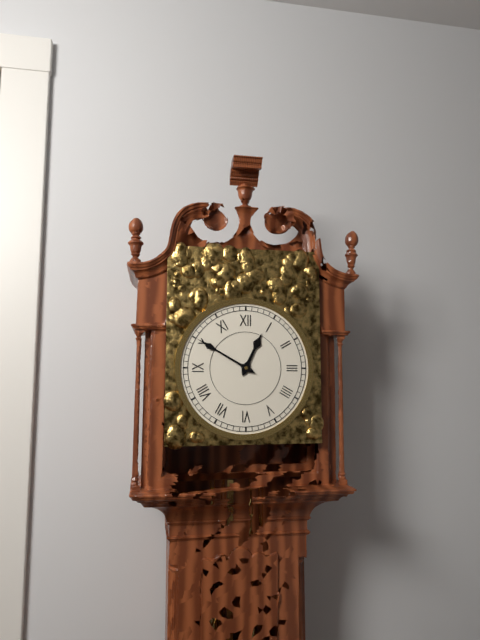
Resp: {"hour": 12, "minute": 50}
